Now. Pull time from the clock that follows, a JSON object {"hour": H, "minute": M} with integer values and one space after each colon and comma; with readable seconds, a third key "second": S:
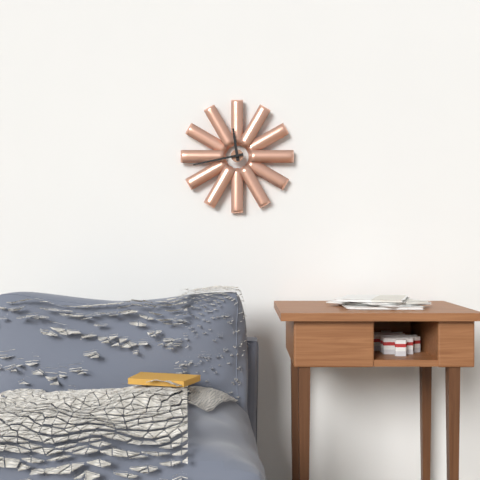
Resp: {"hour": 11, "minute": 43}
